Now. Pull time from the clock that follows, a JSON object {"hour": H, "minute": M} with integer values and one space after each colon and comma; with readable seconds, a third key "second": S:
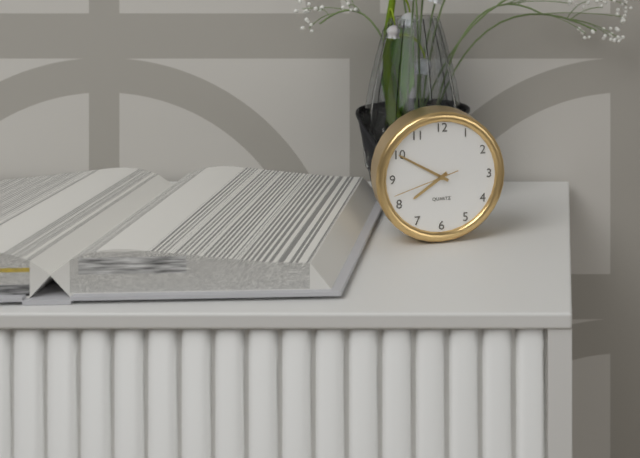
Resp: {"hour": 7, "minute": 50, "second": 42}
